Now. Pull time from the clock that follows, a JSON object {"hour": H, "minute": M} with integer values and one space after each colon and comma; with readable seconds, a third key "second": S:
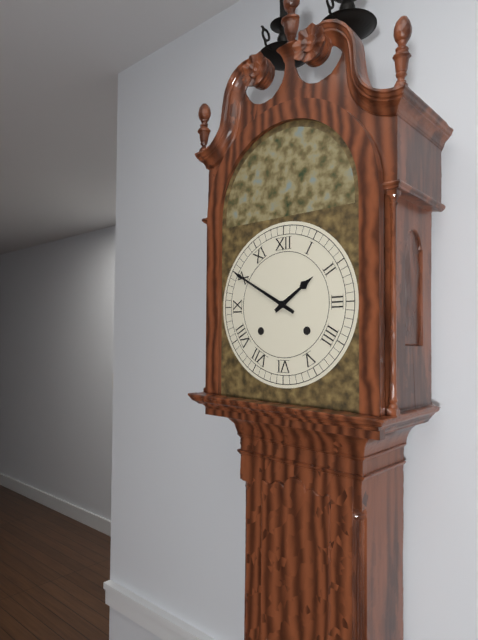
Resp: {"hour": 1, "minute": 50}
